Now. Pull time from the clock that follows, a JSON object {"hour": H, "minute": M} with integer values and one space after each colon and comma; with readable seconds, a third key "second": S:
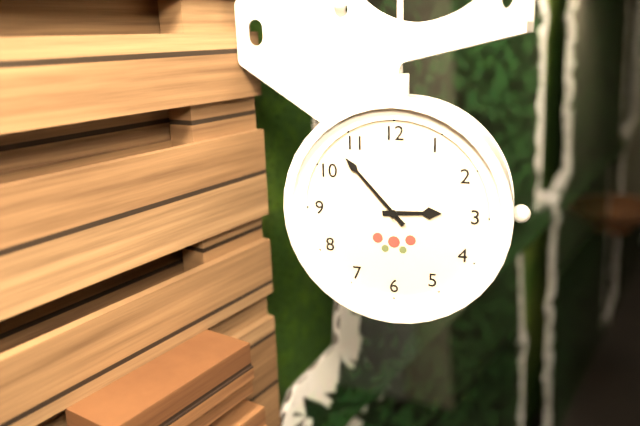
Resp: {"hour": 2, "minute": 53}
